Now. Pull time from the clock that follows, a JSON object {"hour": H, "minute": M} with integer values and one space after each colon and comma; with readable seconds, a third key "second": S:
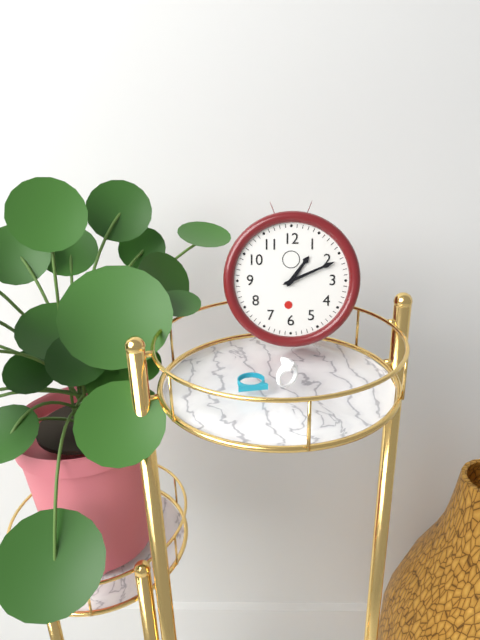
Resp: {"hour": 1, "minute": 11}
